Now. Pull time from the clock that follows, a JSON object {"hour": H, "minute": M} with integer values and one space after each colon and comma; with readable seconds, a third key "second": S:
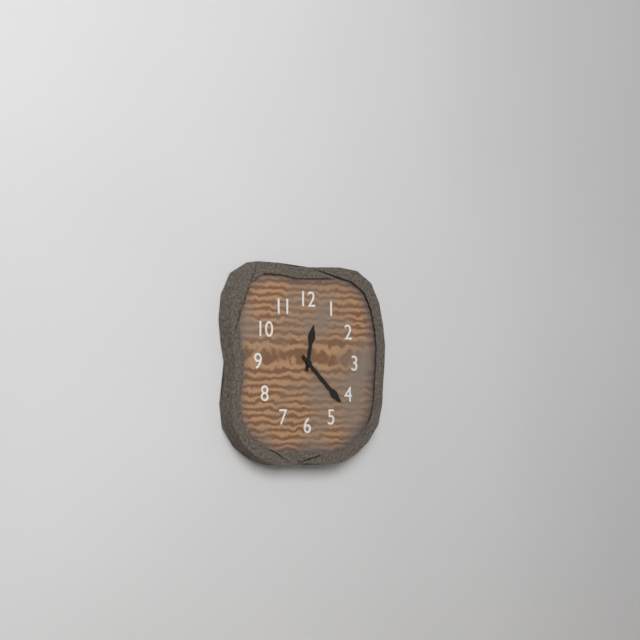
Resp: {"hour": 12, "minute": 22}
